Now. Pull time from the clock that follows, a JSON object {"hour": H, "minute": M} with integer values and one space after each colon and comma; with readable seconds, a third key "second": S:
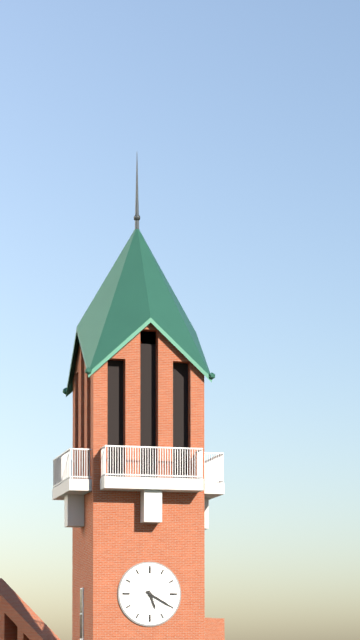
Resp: {"hour": 5, "minute": 20}
